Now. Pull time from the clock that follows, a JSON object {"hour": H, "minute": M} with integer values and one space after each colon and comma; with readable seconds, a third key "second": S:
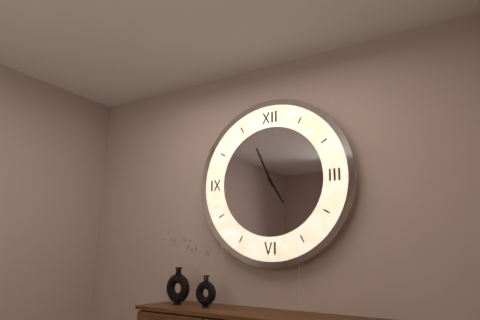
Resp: {"hour": 4, "minute": 56}
